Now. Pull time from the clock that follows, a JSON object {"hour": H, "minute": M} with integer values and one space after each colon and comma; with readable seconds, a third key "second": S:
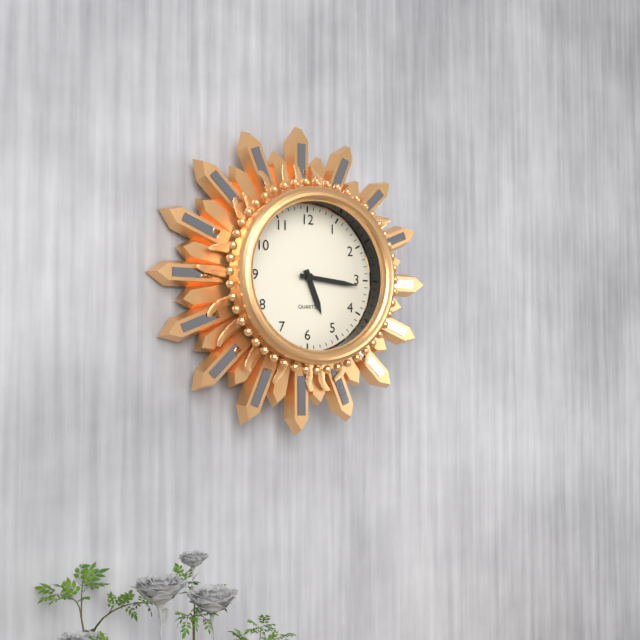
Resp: {"hour": 5, "minute": 16}
